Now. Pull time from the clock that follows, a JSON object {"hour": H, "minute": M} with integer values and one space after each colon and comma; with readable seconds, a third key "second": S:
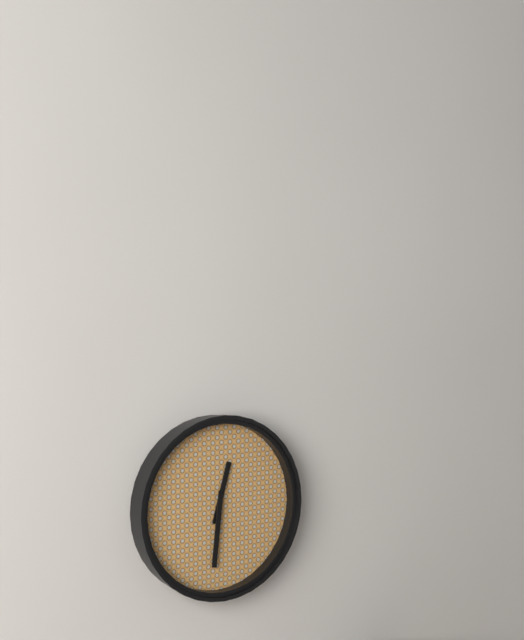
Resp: {"hour": 12, "minute": 31}
